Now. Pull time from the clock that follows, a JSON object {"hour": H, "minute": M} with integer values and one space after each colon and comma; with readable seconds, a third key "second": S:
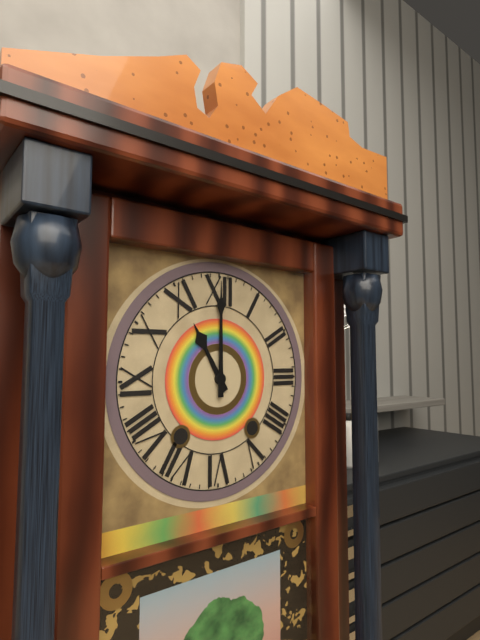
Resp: {"hour": 11, "minute": 0}
